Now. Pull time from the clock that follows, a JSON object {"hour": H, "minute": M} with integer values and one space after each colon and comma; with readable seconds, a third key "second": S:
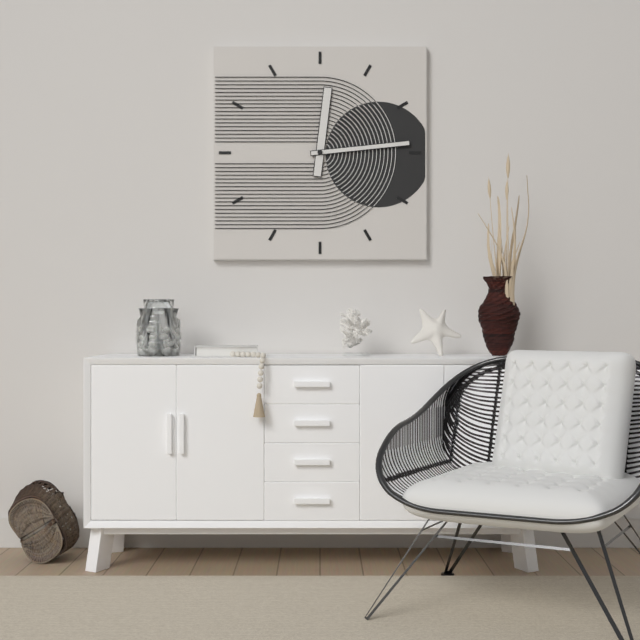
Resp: {"hour": 12, "minute": 14}
